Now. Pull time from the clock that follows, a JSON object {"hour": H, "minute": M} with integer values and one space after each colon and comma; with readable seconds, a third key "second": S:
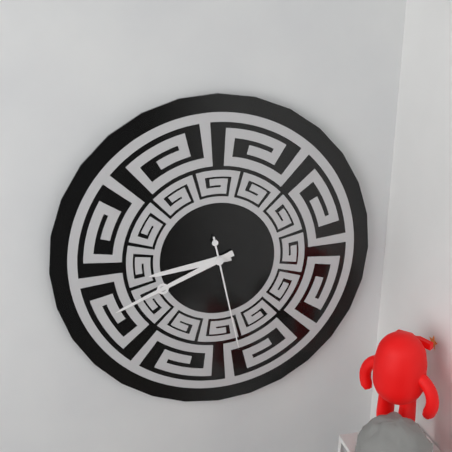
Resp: {"hour": 8, "minute": 41, "second": 28}
